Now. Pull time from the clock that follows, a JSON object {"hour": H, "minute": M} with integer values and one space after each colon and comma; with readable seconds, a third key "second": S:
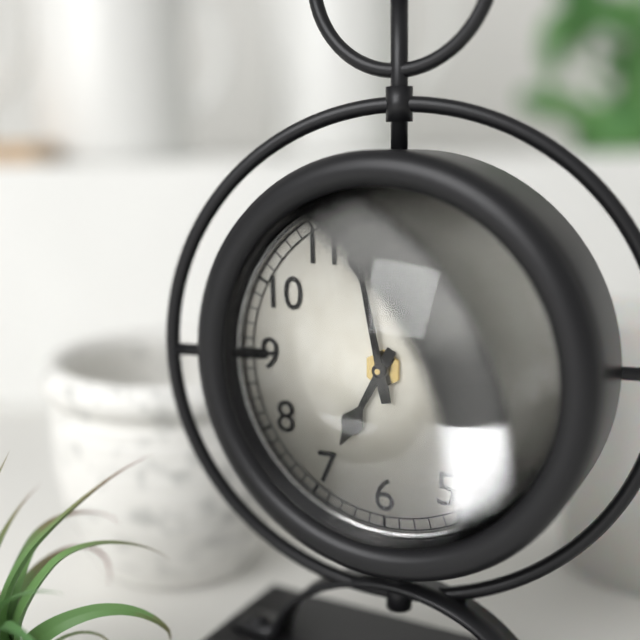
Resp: {"hour": 6, "minute": 58}
